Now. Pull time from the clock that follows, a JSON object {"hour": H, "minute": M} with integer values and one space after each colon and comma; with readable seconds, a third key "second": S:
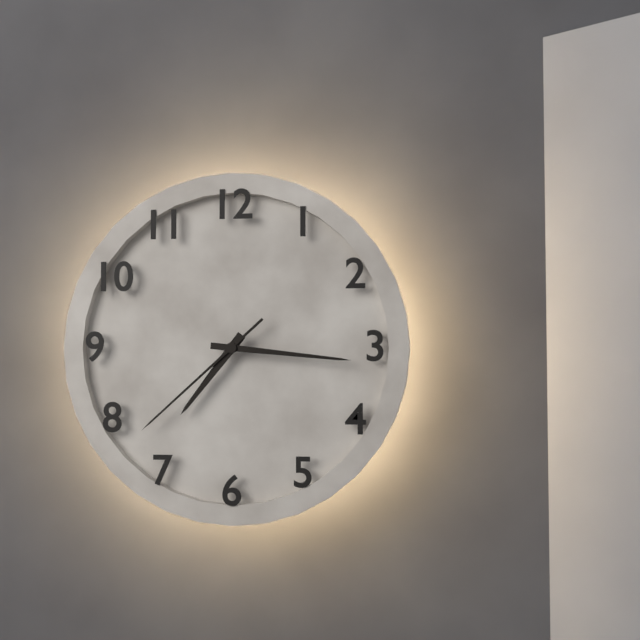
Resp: {"hour": 7, "minute": 16, "second": 38}
